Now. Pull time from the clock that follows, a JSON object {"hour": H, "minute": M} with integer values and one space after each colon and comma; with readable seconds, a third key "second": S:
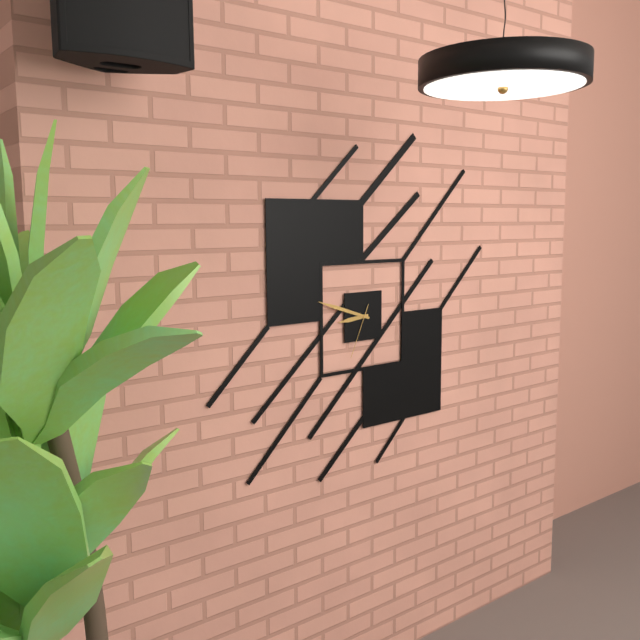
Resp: {"hour": 8, "minute": 48, "second": 34}
